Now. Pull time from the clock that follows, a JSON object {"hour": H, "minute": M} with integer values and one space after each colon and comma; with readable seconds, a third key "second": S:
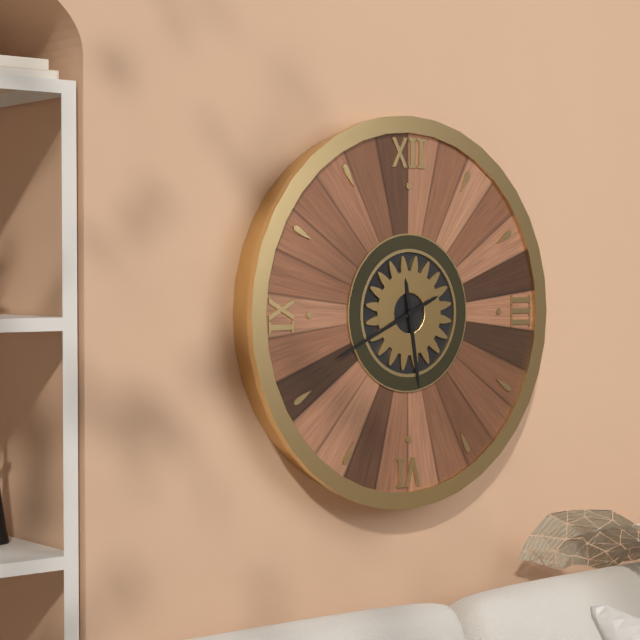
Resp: {"hour": 5, "minute": 41}
